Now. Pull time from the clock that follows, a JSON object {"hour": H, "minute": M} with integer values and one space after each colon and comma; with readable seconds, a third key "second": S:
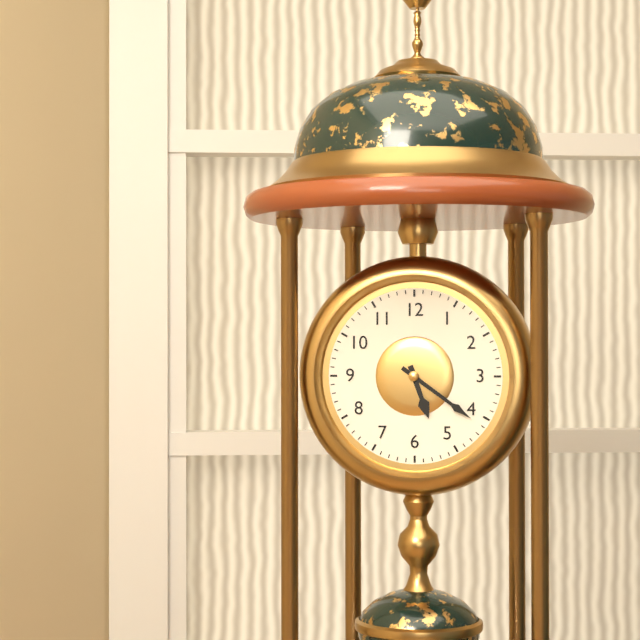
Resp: {"hour": 5, "minute": 21}
